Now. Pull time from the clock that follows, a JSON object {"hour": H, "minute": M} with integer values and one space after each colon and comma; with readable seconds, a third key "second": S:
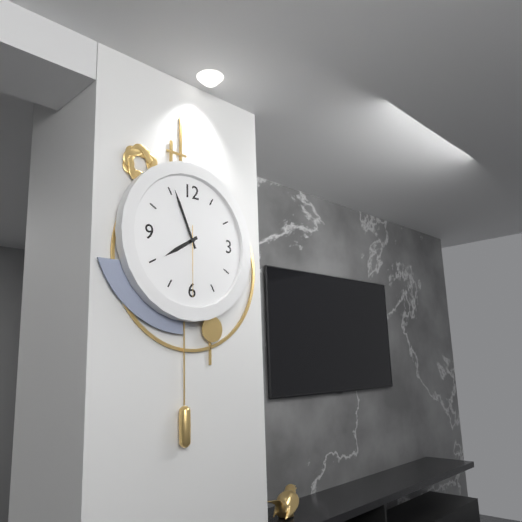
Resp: {"hour": 7, "minute": 56, "second": 30}
